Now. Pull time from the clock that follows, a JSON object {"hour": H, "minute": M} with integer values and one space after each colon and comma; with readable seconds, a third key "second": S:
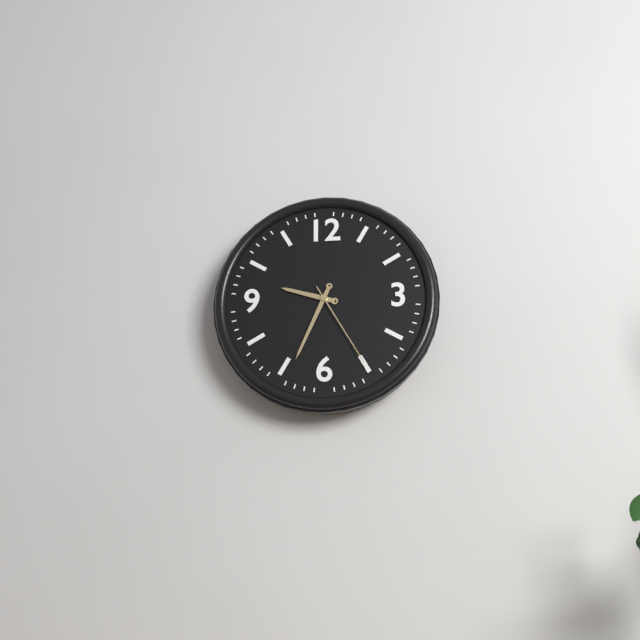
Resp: {"hour": 9, "minute": 34, "second": 25}
